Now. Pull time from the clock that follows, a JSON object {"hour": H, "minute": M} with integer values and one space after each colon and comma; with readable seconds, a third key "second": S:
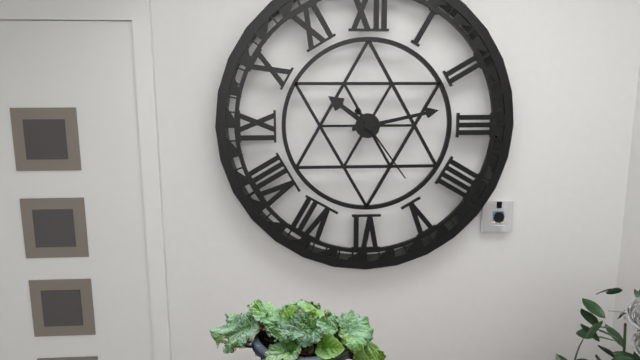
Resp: {"hour": 10, "minute": 13, "second": 24}
